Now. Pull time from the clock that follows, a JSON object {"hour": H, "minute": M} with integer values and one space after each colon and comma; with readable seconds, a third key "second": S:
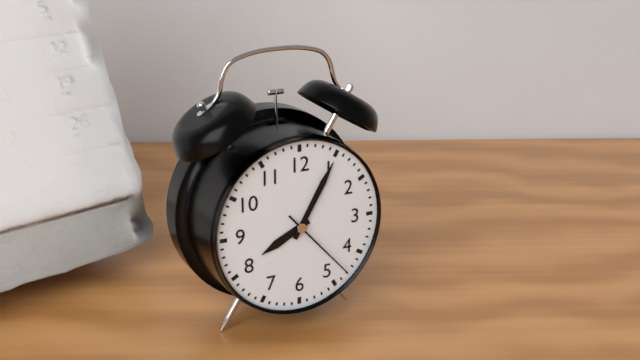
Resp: {"hour": 8, "minute": 5, "second": 23}
